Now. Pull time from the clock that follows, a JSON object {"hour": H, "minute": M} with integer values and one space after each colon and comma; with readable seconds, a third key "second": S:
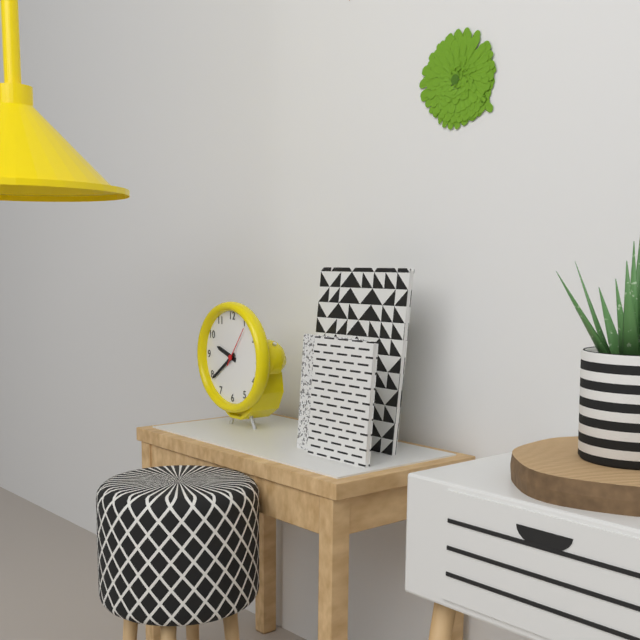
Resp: {"hour": 9, "minute": 39}
